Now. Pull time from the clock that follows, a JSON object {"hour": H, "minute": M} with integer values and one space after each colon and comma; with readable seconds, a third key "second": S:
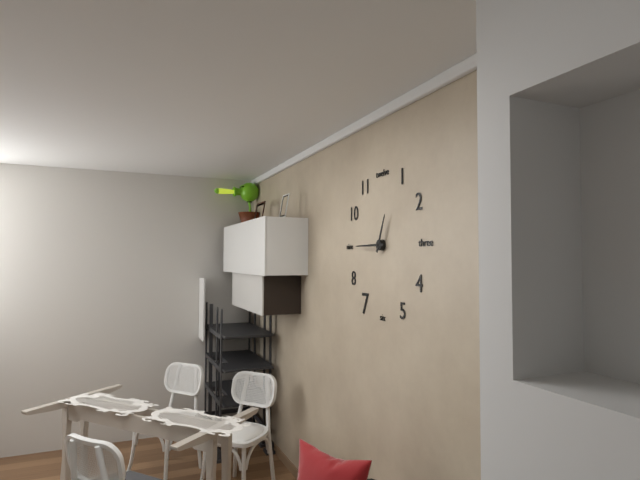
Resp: {"hour": 12, "minute": 45}
